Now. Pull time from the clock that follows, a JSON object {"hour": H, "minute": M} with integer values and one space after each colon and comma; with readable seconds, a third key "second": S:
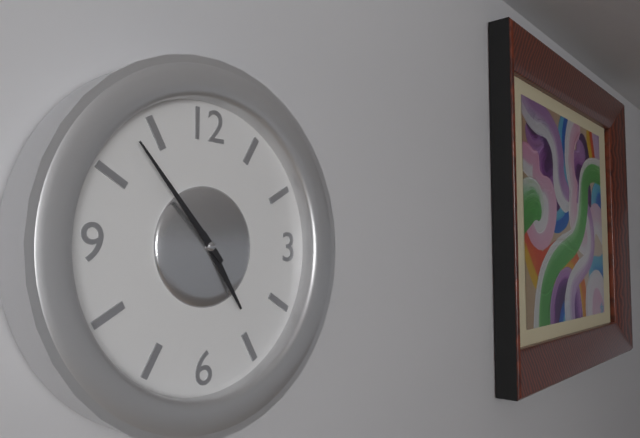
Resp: {"hour": 4, "minute": 53}
